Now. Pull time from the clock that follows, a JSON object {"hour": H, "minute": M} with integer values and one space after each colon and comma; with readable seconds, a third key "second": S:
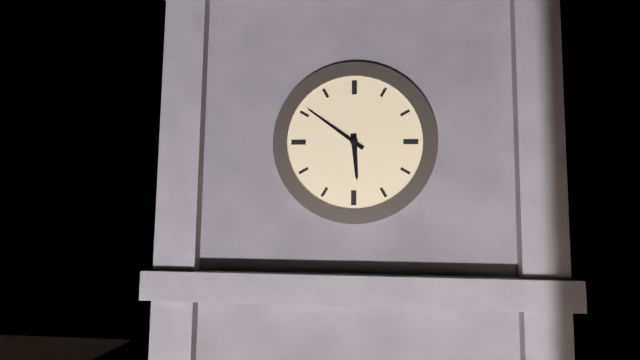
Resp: {"hour": 5, "minute": 51}
